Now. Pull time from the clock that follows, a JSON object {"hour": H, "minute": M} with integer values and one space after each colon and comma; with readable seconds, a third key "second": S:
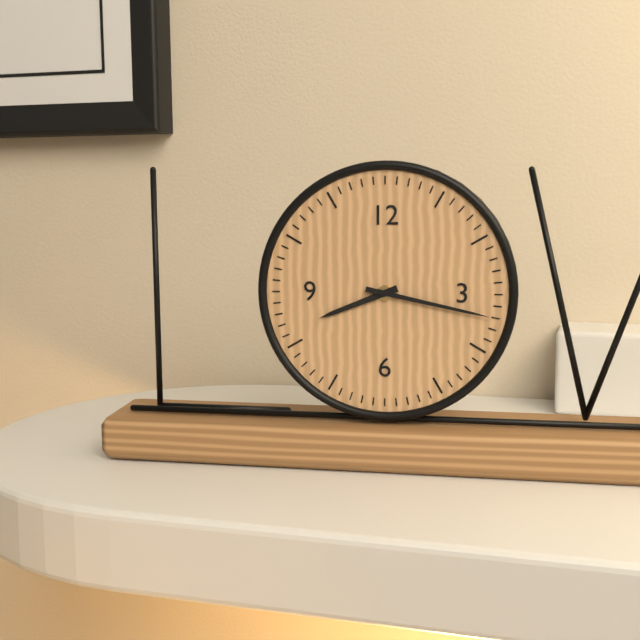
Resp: {"hour": 8, "minute": 17}
